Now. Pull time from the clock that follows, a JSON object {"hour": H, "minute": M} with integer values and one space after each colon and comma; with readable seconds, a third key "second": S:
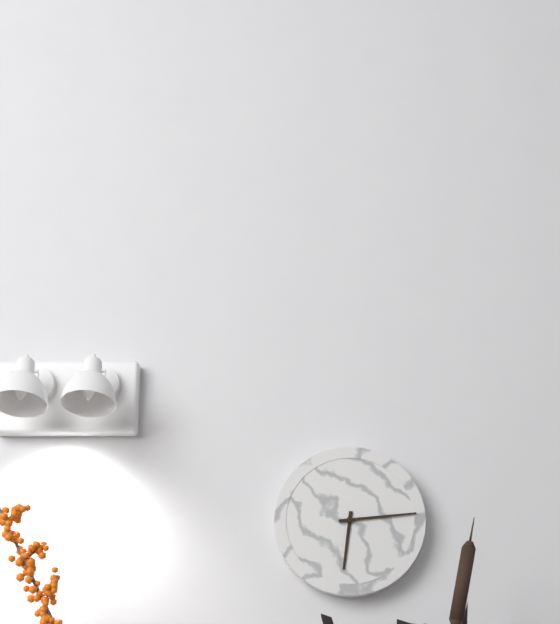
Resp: {"hour": 6, "minute": 14}
